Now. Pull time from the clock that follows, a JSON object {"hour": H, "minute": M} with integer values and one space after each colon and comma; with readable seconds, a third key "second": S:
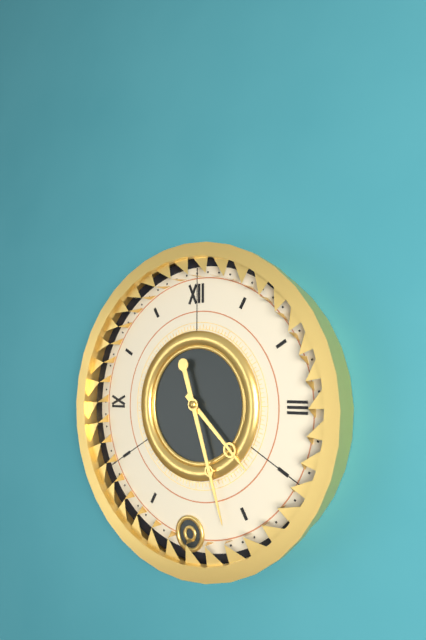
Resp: {"hour": 4, "minute": 27}
